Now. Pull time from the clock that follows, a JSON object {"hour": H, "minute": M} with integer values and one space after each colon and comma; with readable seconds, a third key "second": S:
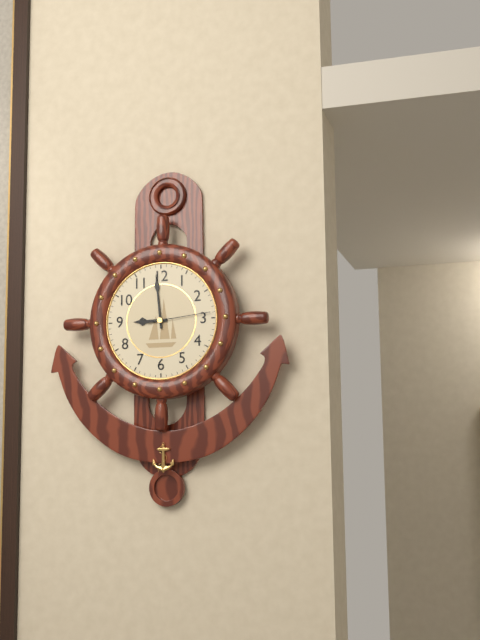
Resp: {"hour": 8, "minute": 59, "second": 14}
